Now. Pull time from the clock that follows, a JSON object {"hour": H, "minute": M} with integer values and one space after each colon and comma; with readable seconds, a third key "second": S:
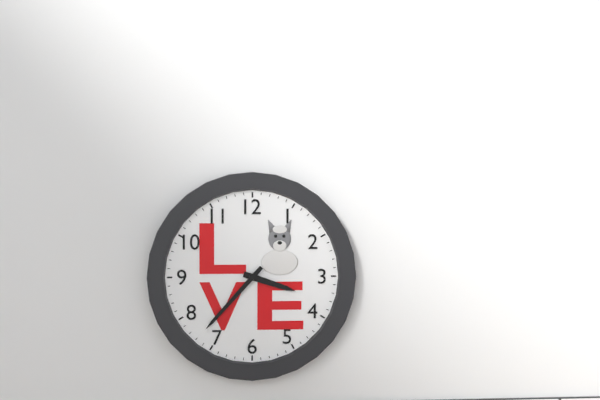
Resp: {"hour": 3, "minute": 37}
